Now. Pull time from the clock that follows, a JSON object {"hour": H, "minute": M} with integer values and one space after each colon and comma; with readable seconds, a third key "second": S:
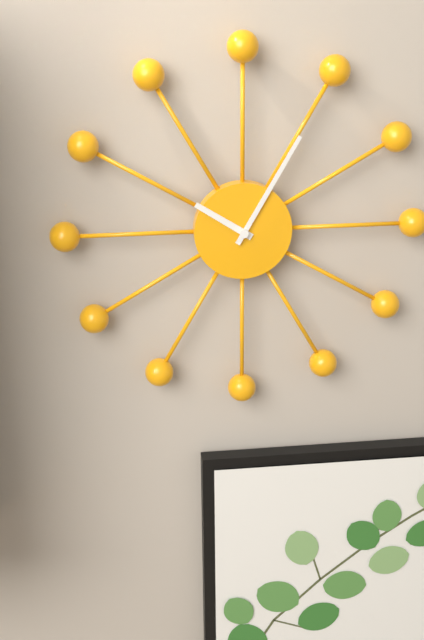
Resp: {"hour": 10, "minute": 5}
